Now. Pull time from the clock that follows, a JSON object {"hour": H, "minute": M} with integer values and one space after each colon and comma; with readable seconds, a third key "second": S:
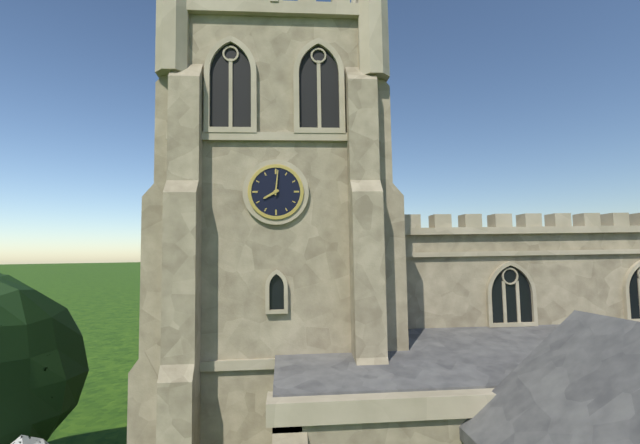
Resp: {"hour": 8, "minute": 1}
